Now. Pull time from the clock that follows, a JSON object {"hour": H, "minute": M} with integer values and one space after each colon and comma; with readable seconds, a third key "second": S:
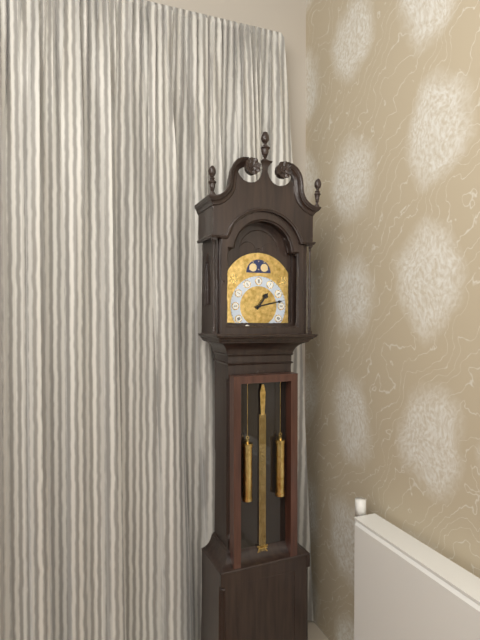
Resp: {"hour": 1, "minute": 13}
